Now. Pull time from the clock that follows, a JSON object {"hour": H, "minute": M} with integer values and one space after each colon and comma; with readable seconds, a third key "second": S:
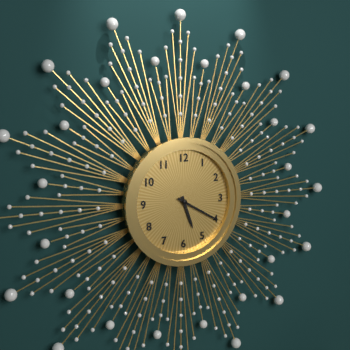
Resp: {"hour": 5, "minute": 20}
